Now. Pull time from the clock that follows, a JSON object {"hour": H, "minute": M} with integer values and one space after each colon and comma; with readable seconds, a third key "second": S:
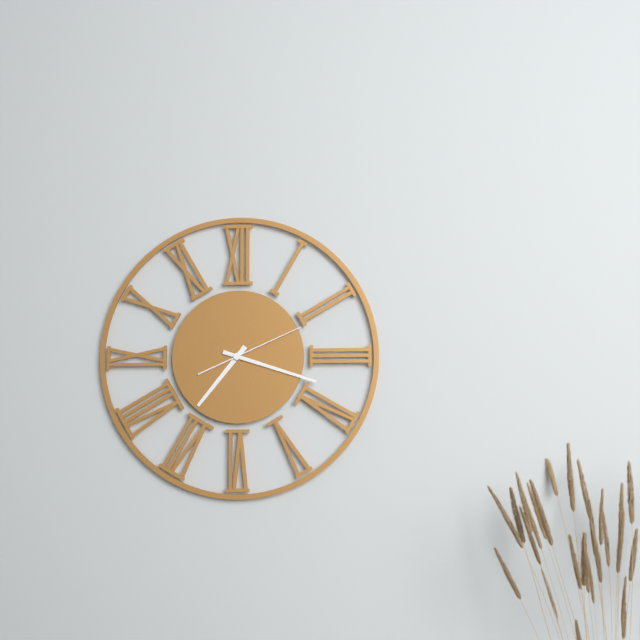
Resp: {"hour": 7, "minute": 18, "second": 11}
